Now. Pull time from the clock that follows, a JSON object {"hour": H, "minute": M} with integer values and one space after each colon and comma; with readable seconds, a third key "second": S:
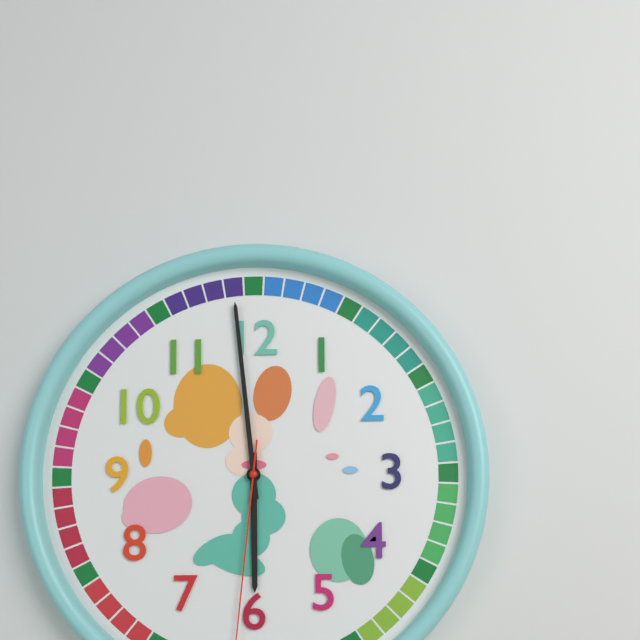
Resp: {"hour": 5, "minute": 59}
